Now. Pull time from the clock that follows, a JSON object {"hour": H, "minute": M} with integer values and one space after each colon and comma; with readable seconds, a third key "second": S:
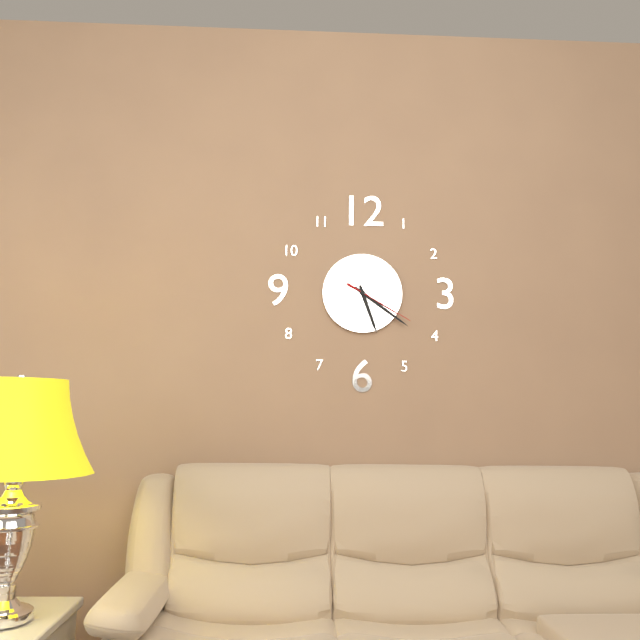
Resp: {"hour": 5, "minute": 21, "second": 20}
